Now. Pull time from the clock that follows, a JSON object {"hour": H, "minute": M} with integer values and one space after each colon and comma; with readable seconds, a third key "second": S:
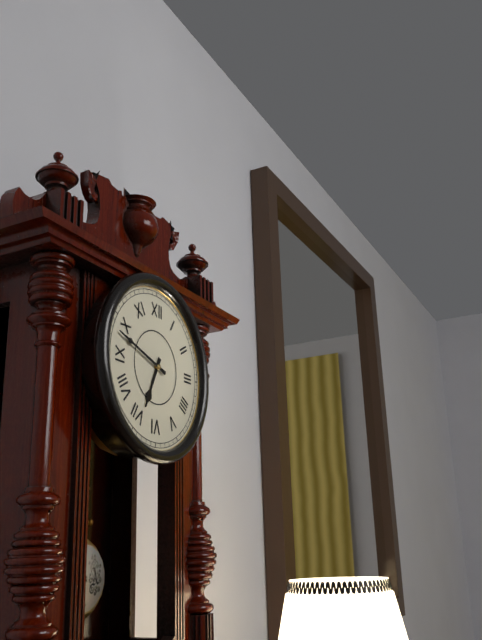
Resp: {"hour": 6, "minute": 48}
